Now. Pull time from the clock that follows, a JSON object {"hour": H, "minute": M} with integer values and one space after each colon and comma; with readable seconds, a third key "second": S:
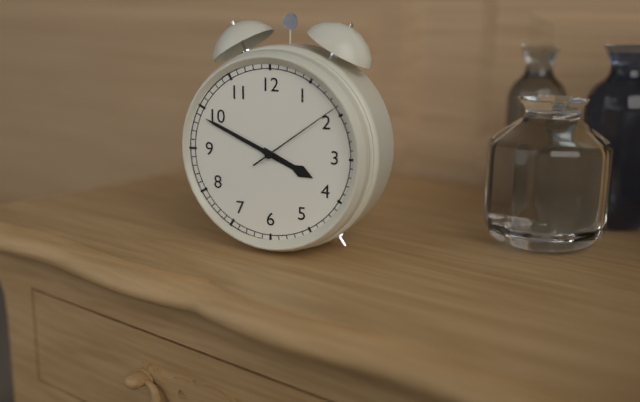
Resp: {"hour": 3, "minute": 49, "second": 9}
